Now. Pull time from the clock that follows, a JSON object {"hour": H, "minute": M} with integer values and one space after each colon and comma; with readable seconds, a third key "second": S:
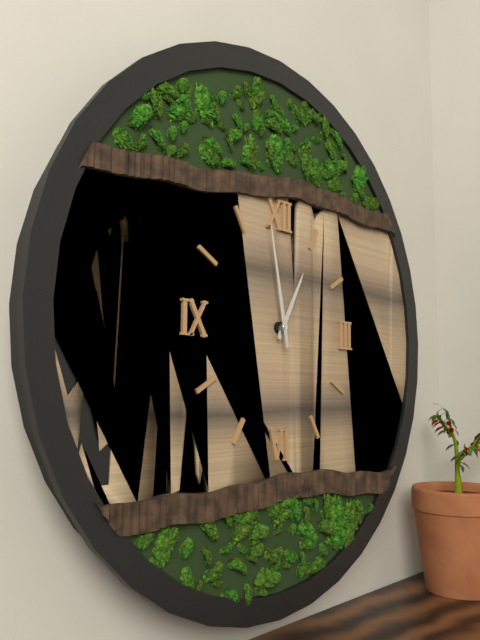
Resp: {"hour": 12, "minute": 58}
